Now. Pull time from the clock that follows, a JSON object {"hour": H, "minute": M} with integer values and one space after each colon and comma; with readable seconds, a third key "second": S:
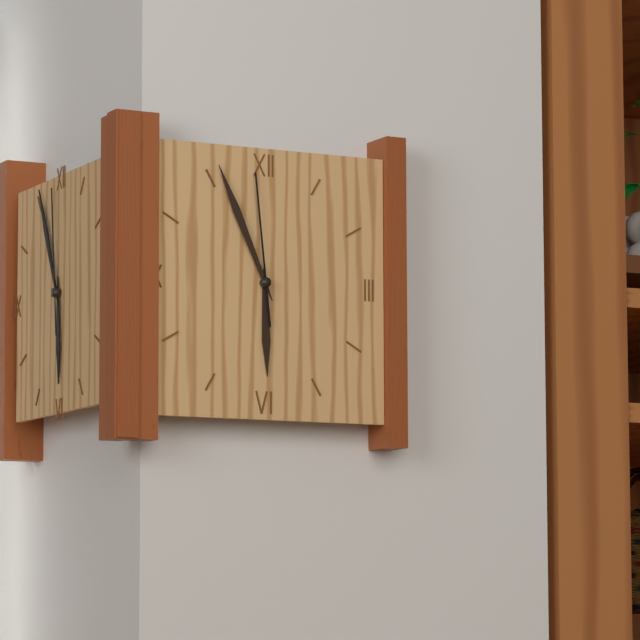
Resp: {"hour": 5, "minute": 56, "second": 59}
